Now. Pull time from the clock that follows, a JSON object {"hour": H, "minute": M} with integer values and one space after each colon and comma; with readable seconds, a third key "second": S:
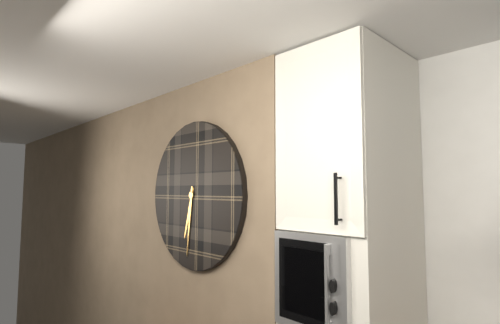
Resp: {"hour": 6, "minute": 31}
